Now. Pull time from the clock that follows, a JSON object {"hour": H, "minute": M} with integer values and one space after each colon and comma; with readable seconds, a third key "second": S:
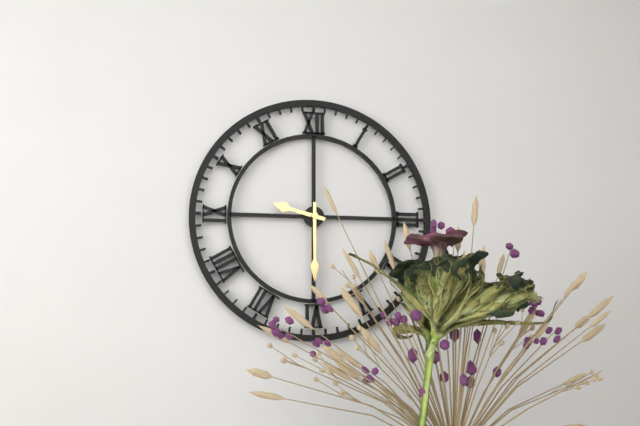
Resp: {"hour": 9, "minute": 30}
